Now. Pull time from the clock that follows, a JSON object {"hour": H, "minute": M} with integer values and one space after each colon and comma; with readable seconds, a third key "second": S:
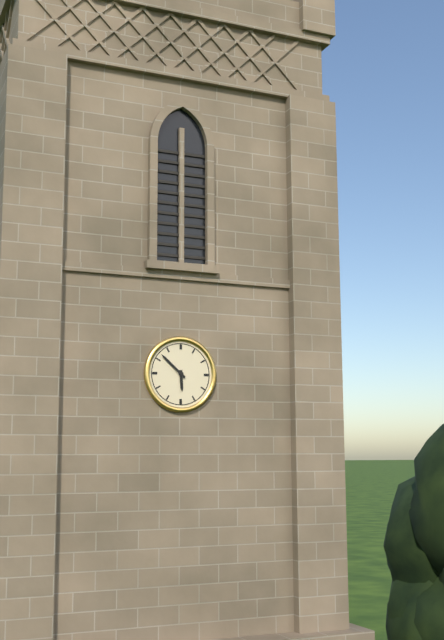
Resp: {"hour": 5, "minute": 52}
